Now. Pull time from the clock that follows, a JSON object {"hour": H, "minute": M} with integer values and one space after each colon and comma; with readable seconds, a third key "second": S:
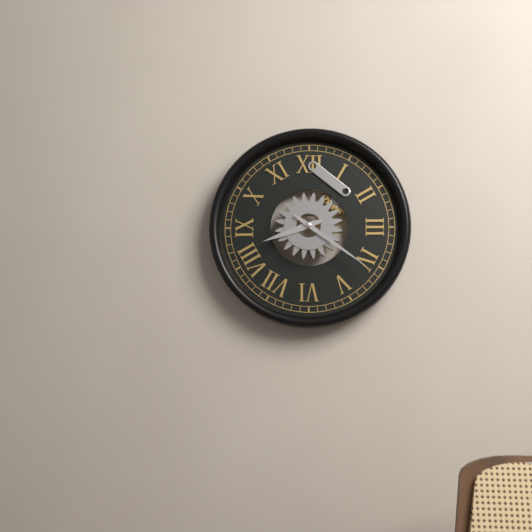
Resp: {"hour": 8, "minute": 21}
